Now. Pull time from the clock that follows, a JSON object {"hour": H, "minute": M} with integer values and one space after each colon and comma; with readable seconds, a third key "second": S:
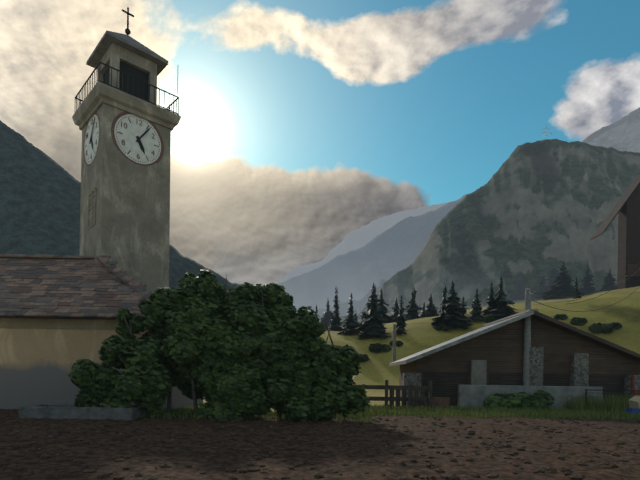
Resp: {"hour": 5, "minute": 6}
